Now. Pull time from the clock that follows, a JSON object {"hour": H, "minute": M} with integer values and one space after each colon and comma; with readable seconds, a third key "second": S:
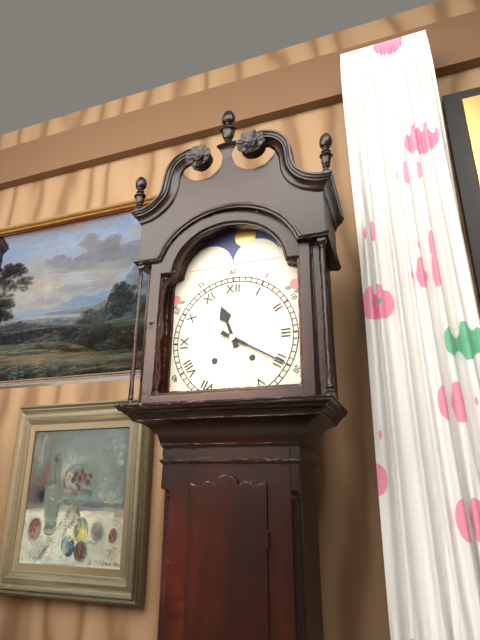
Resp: {"hour": 11, "minute": 20}
